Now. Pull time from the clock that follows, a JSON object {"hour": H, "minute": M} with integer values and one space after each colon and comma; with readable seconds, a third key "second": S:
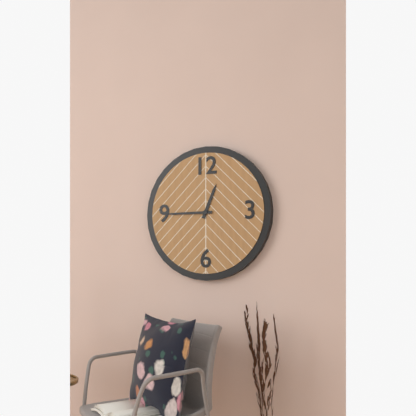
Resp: {"hour": 12, "minute": 45}
